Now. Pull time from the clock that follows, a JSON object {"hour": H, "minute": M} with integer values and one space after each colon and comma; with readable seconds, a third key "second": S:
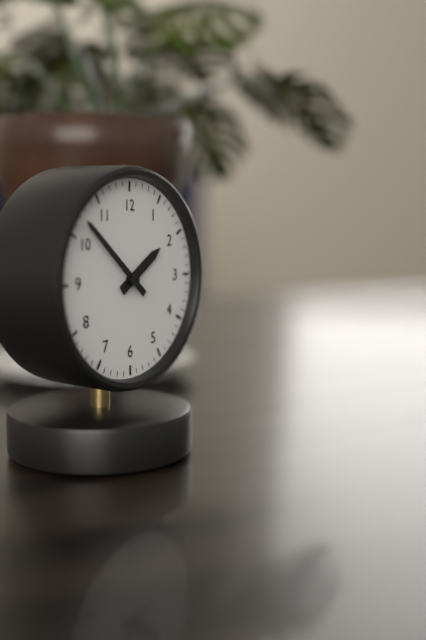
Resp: {"hour": 1, "minute": 52}
